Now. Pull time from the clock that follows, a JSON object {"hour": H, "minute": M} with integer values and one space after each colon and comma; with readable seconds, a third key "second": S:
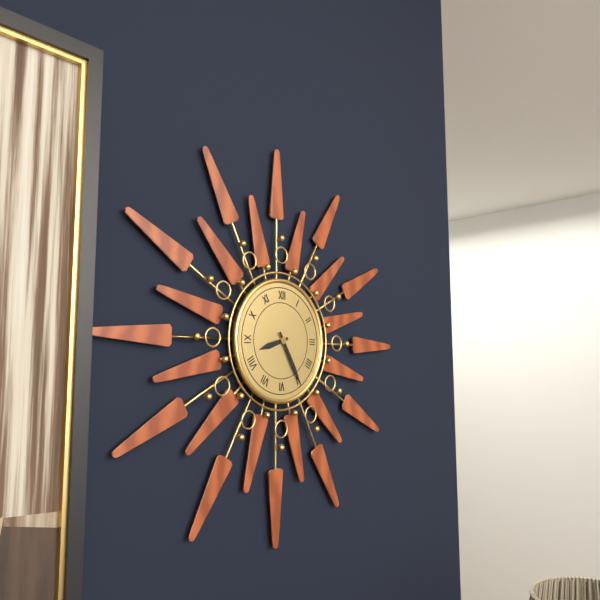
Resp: {"hour": 8, "minute": 25}
